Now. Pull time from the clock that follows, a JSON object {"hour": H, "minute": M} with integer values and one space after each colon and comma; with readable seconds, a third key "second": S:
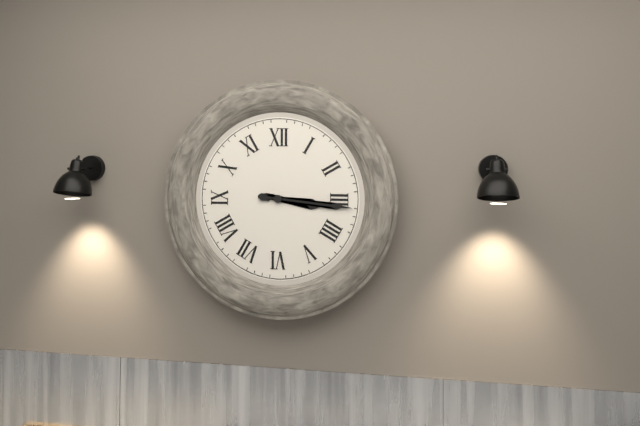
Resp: {"hour": 3, "minute": 16}
